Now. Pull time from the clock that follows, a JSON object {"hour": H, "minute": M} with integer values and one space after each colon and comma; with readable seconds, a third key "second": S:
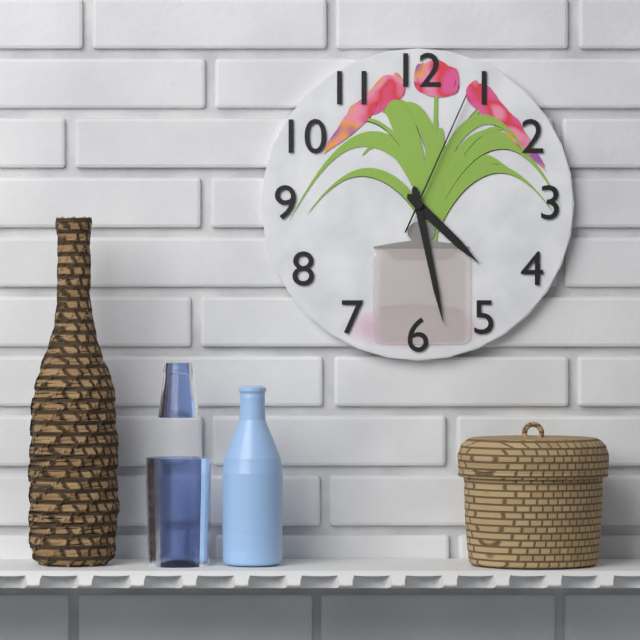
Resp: {"hour": 4, "minute": 28, "second": 4}
